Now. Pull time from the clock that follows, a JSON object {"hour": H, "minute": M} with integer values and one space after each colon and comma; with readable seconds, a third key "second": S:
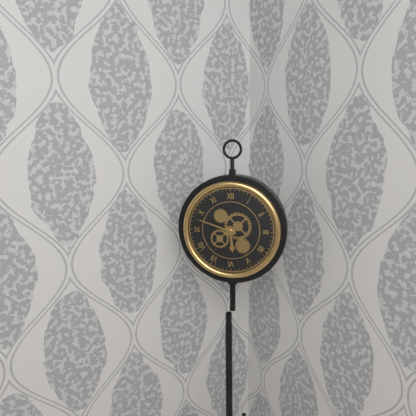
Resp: {"hour": 5, "minute": 48}
